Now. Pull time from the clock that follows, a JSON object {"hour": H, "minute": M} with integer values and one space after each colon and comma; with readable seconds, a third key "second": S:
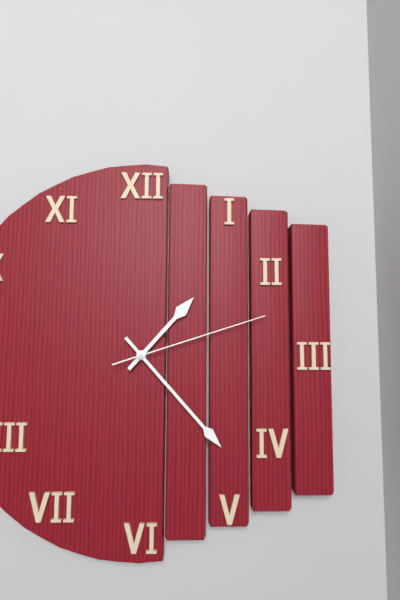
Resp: {"hour": 1, "minute": 23, "second": 12}
